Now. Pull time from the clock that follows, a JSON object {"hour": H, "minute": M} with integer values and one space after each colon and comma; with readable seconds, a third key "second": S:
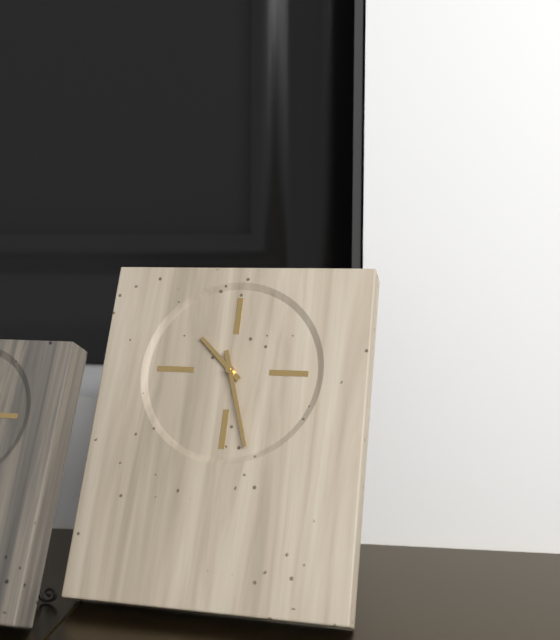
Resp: {"hour": 10, "minute": 27}
